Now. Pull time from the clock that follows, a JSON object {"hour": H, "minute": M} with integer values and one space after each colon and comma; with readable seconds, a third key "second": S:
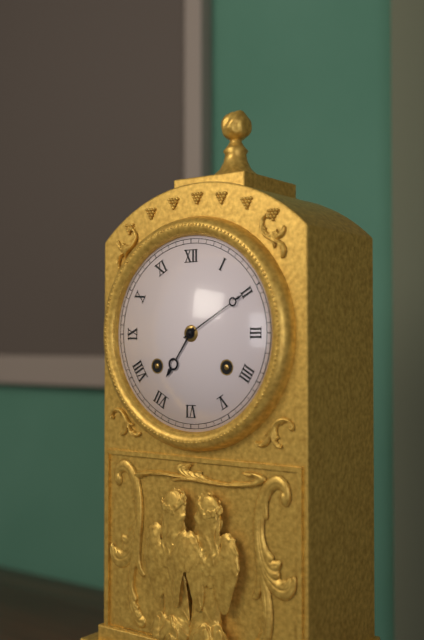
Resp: {"hour": 7, "minute": 10}
